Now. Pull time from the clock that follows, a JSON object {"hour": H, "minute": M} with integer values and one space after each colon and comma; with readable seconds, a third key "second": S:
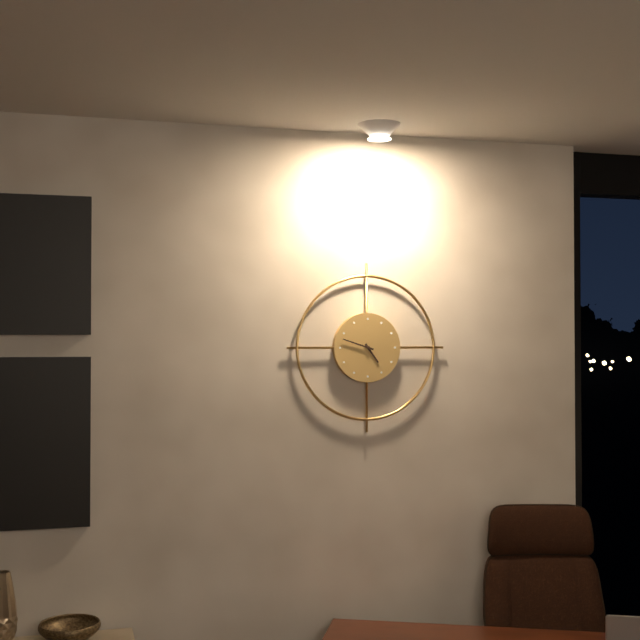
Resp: {"hour": 4, "minute": 48}
